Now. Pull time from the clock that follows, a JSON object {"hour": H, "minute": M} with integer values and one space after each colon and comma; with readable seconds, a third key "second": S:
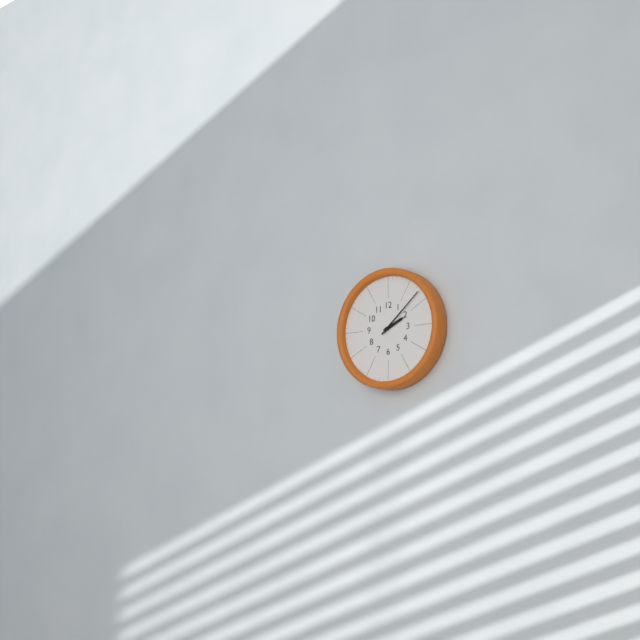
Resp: {"hour": 2, "minute": 8}
